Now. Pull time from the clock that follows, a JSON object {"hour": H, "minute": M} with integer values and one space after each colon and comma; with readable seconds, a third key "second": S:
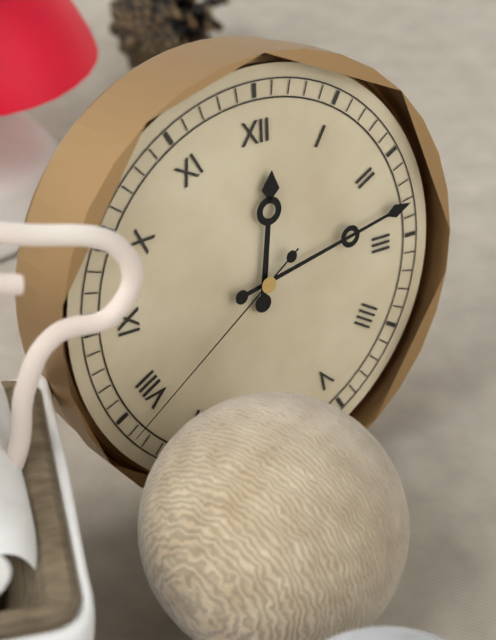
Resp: {"hour": 12, "minute": 13, "second": 39}
